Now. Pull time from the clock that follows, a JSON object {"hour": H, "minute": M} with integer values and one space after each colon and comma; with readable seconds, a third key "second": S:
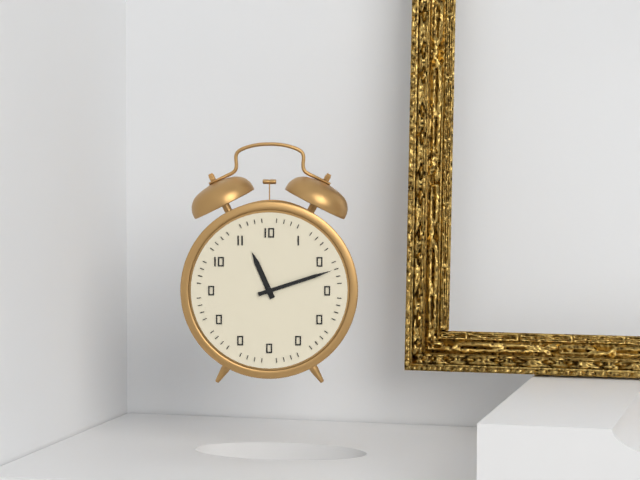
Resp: {"hour": 11, "minute": 12}
